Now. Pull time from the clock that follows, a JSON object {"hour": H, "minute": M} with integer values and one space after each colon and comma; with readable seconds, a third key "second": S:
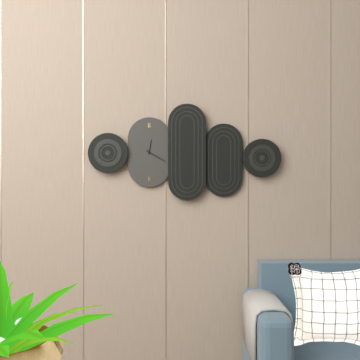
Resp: {"hour": 12, "minute": 20}
